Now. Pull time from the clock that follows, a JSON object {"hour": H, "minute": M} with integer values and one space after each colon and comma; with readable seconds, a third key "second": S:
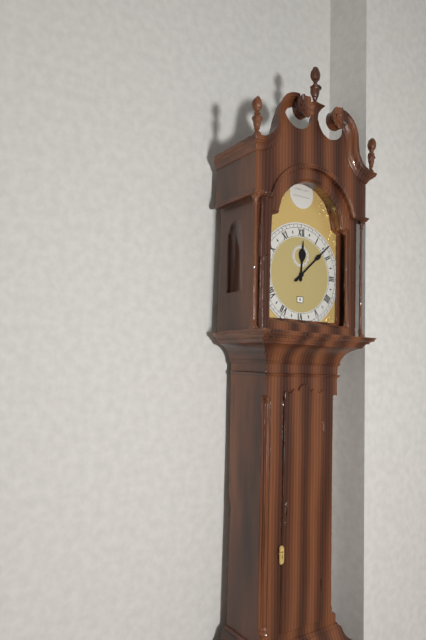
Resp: {"hour": 12, "minute": 8}
